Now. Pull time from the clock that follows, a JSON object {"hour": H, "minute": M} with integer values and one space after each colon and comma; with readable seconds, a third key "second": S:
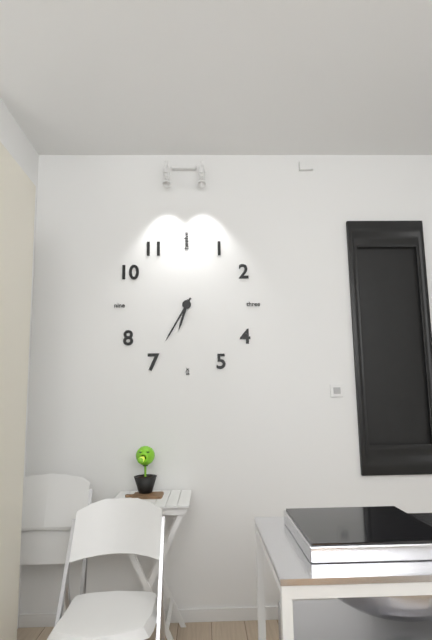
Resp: {"hour": 6, "minute": 35}
